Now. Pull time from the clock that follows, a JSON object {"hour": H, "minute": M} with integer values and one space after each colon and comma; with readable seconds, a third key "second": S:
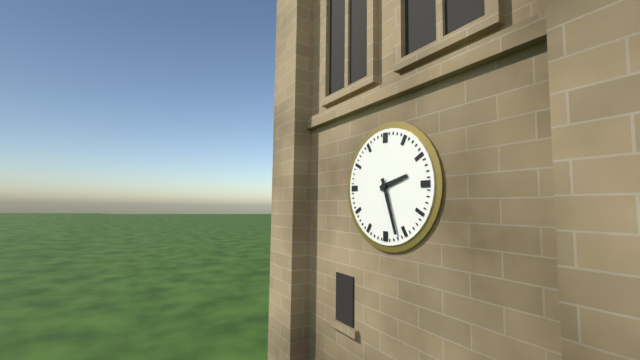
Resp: {"hour": 2, "minute": 27}
